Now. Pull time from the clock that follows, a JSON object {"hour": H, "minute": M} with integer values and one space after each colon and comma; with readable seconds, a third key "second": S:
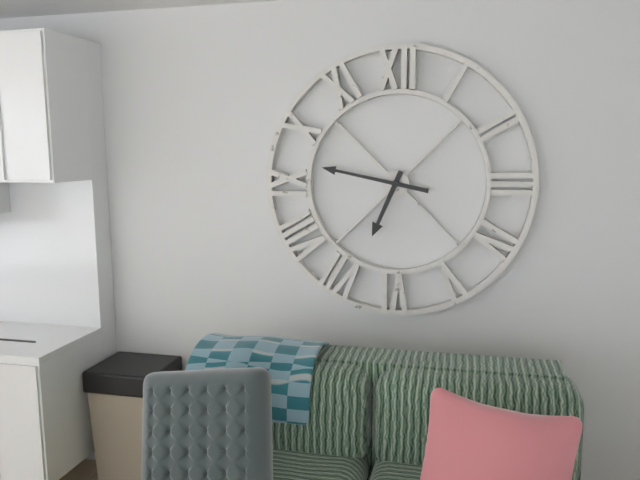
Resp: {"hour": 6, "minute": 47}
